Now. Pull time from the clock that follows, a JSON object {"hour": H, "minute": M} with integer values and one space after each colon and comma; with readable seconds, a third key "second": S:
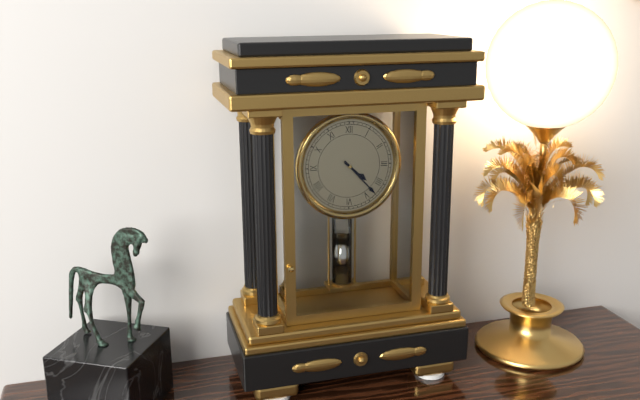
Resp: {"hour": 4, "minute": 23}
